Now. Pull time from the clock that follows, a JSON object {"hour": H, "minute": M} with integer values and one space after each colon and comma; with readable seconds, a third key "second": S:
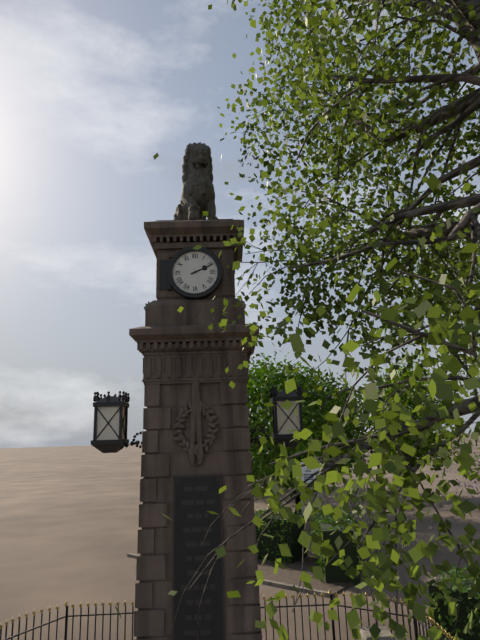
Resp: {"hour": 2, "minute": 11}
